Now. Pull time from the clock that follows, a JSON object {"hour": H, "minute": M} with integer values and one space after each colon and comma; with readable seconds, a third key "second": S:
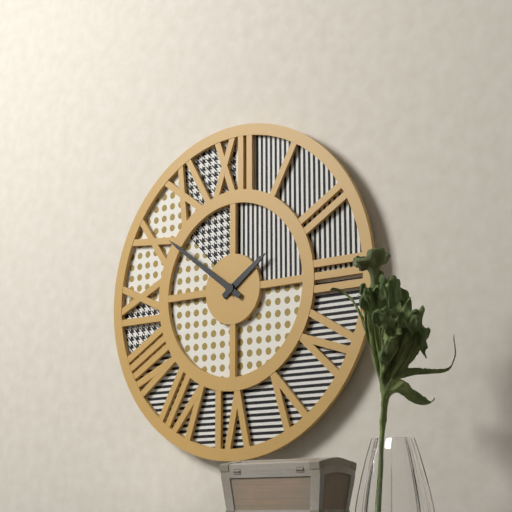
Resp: {"hour": 1, "minute": 51}
